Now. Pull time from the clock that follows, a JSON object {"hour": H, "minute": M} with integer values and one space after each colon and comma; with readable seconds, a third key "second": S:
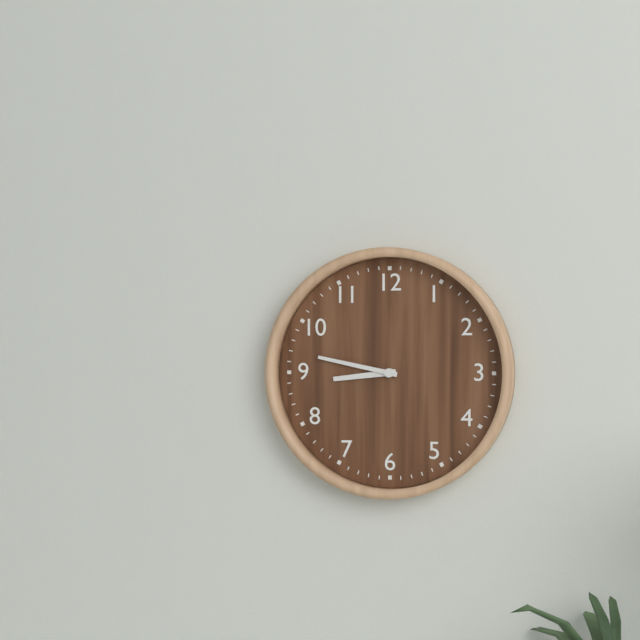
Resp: {"hour": 8, "minute": 47}
